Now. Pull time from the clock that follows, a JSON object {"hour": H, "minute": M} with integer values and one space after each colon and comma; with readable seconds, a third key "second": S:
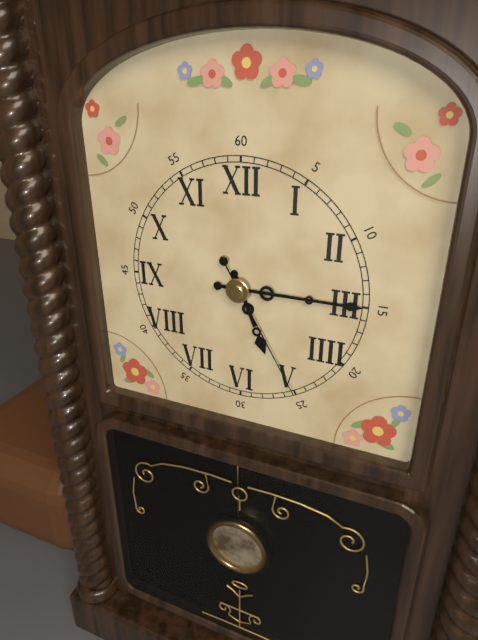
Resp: {"hour": 5, "minute": 15, "second": 25}
